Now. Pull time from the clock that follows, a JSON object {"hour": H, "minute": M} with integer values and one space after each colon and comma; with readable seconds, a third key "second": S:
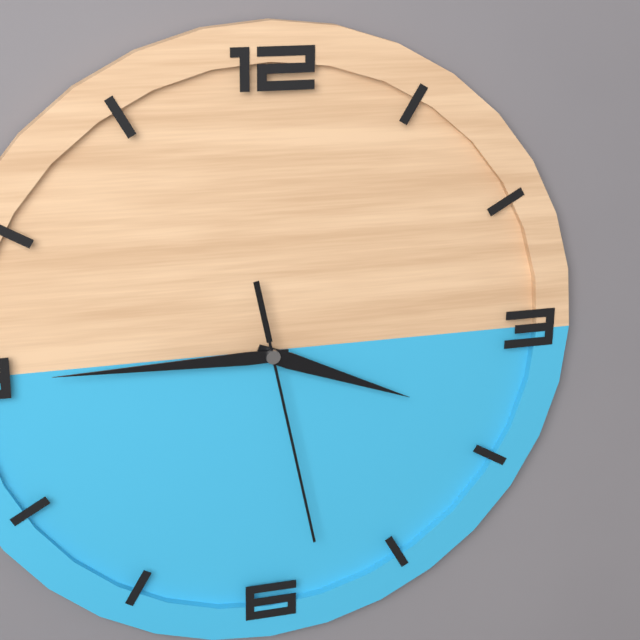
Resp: {"hour": 3, "minute": 45, "second": 28}
